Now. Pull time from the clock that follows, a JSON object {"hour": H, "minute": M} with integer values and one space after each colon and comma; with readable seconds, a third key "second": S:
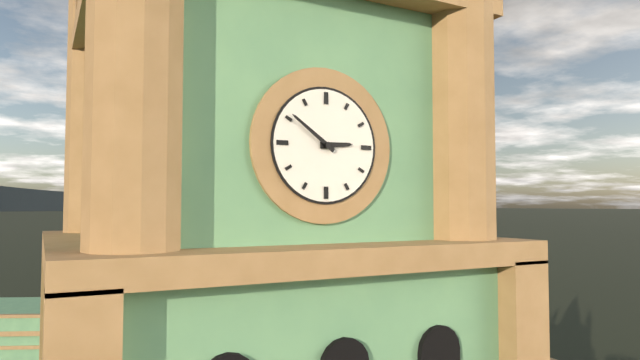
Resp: {"hour": 2, "minute": 51}
